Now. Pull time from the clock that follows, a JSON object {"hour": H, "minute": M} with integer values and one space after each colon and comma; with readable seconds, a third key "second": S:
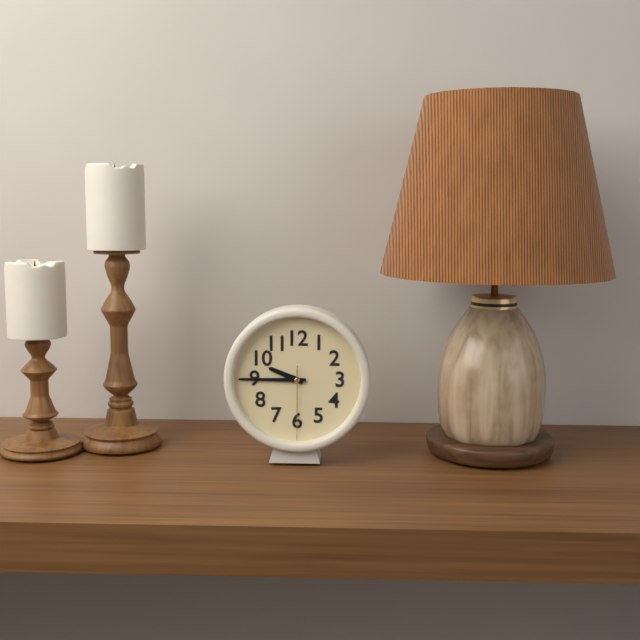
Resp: {"hour": 9, "minute": 45, "second": 30}
